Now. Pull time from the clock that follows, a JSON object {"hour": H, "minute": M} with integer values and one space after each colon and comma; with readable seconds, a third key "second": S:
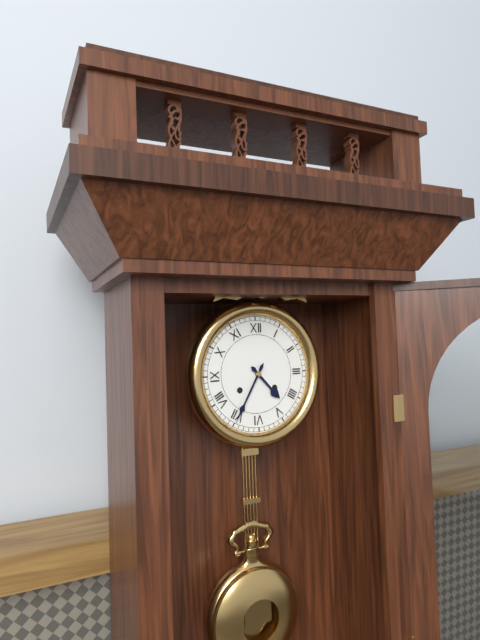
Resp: {"hour": 4, "minute": 35}
